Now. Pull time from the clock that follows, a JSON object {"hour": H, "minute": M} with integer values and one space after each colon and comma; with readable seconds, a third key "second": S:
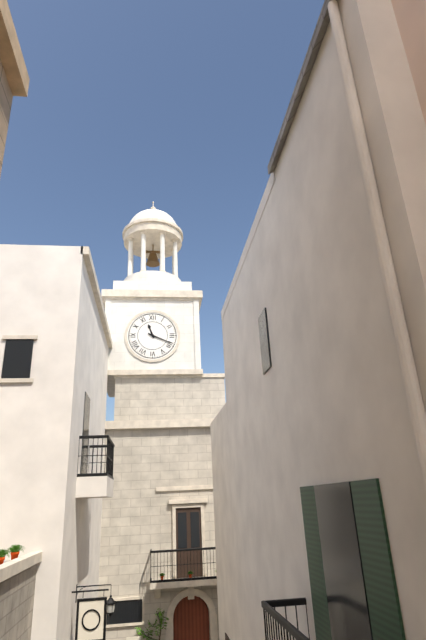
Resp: {"hour": 11, "minute": 19}
